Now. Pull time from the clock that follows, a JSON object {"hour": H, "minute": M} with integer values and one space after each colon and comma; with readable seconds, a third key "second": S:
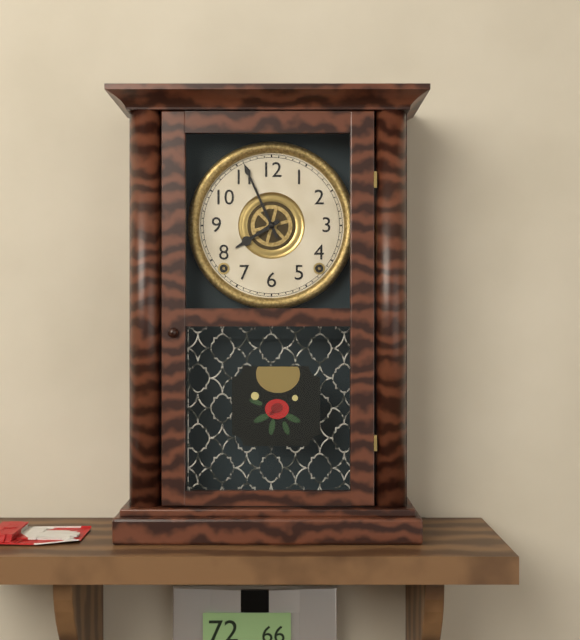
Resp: {"hour": 7, "minute": 56}
